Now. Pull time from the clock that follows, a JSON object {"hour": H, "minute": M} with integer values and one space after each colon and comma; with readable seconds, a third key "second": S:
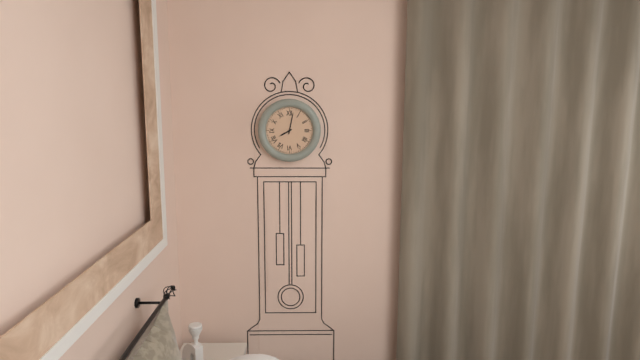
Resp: {"hour": 8, "minute": 2}
